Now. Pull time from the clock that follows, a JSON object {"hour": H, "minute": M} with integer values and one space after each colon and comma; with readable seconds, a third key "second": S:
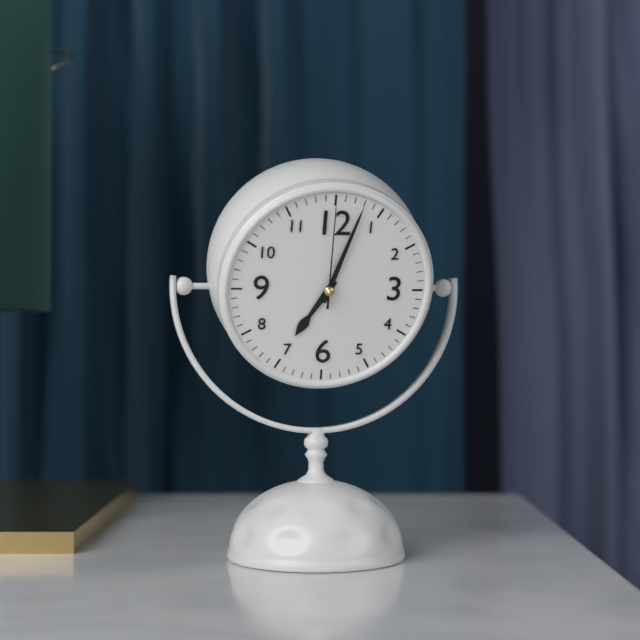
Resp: {"hour": 7, "minute": 3, "second": 0}
